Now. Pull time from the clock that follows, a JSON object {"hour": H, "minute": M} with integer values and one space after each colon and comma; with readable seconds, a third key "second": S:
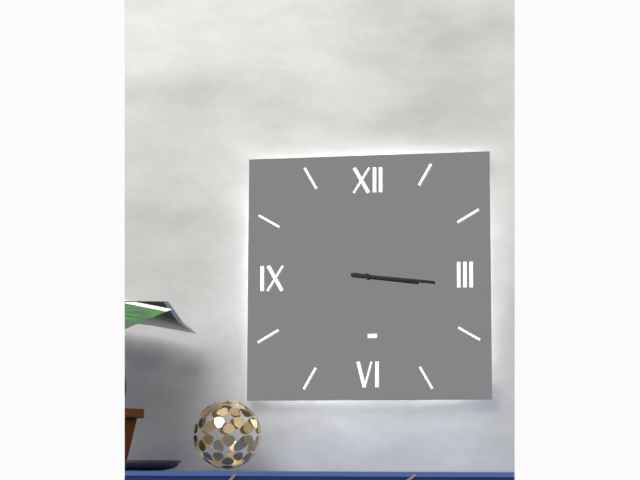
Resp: {"hour": 3, "minute": 16}
